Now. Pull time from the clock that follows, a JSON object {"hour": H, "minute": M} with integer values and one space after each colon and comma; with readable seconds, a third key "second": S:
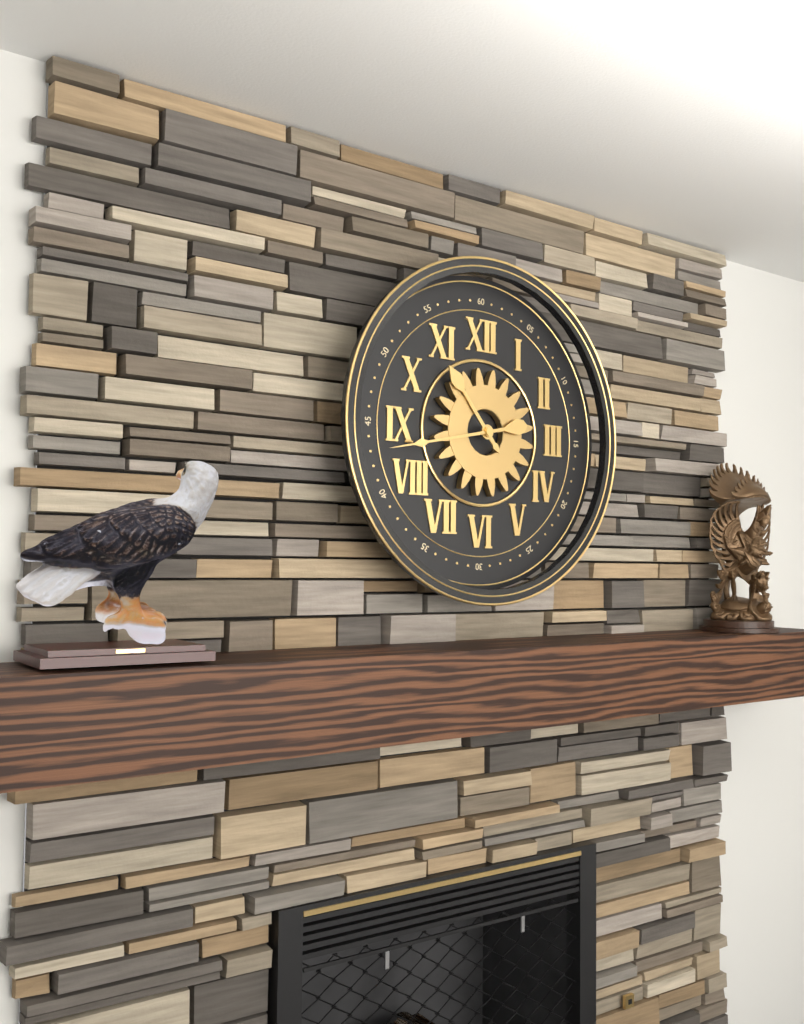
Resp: {"hour": 10, "minute": 43}
